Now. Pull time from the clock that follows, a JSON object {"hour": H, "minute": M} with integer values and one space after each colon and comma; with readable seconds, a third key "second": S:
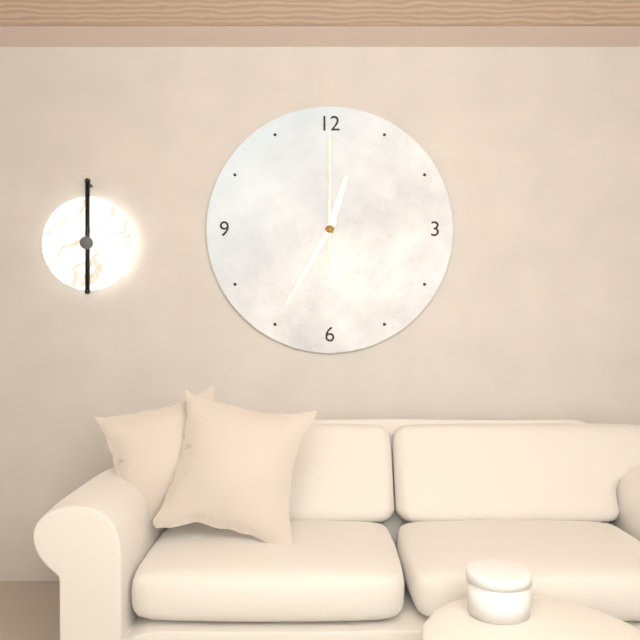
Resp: {"hour": 12, "minute": 35, "second": 0}
